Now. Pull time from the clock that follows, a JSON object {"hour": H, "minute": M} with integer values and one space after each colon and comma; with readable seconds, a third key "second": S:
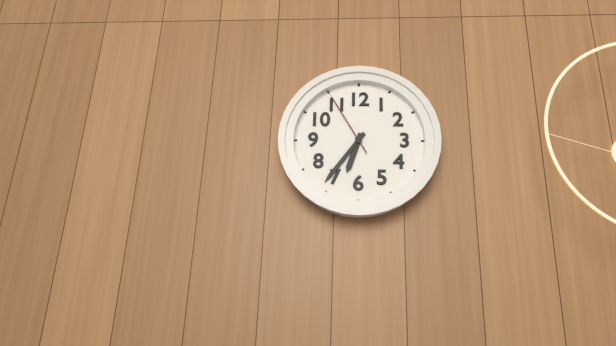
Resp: {"hour": 6, "minute": 36, "second": 55}
